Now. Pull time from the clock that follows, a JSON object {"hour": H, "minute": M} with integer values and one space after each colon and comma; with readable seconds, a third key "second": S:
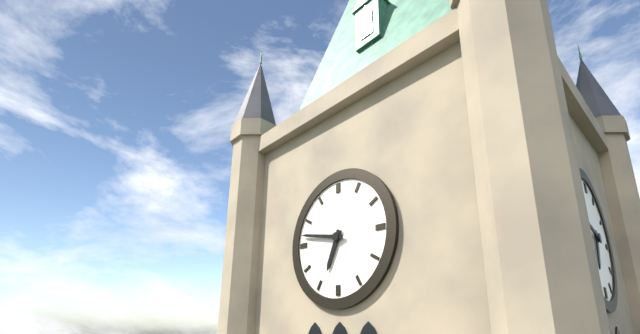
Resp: {"hour": 6, "minute": 47}
